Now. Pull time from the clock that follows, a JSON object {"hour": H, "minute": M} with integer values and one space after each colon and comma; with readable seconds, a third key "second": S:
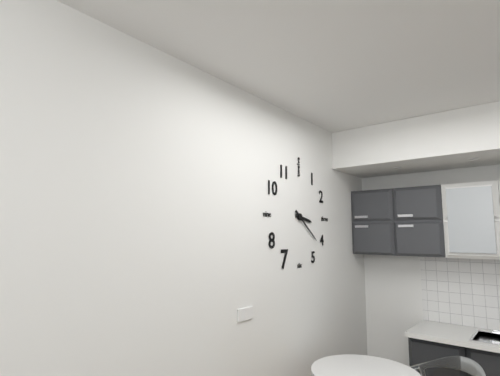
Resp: {"hour": 3, "minute": 21}
